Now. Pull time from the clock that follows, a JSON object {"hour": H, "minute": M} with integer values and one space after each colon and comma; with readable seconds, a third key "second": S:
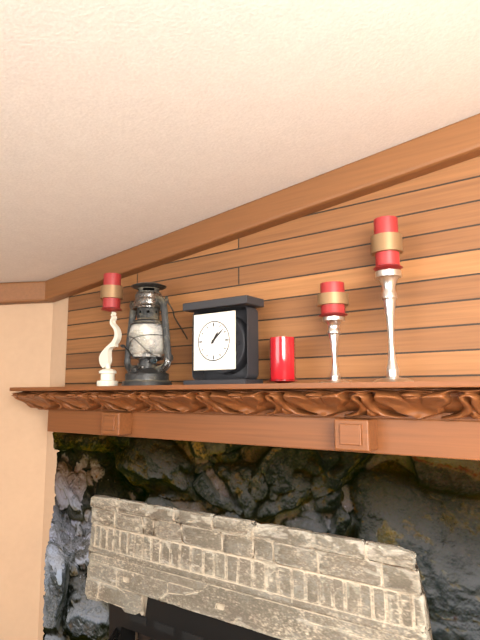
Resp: {"hour": 1, "minute": 8}
